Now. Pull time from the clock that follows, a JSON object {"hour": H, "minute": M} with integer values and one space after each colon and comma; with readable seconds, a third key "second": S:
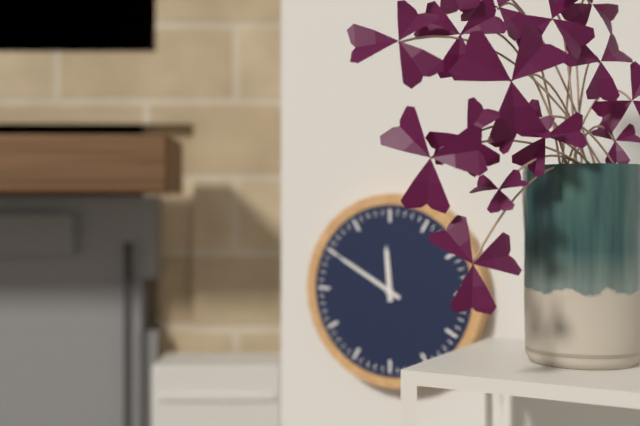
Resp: {"hour": 11, "minute": 50}
